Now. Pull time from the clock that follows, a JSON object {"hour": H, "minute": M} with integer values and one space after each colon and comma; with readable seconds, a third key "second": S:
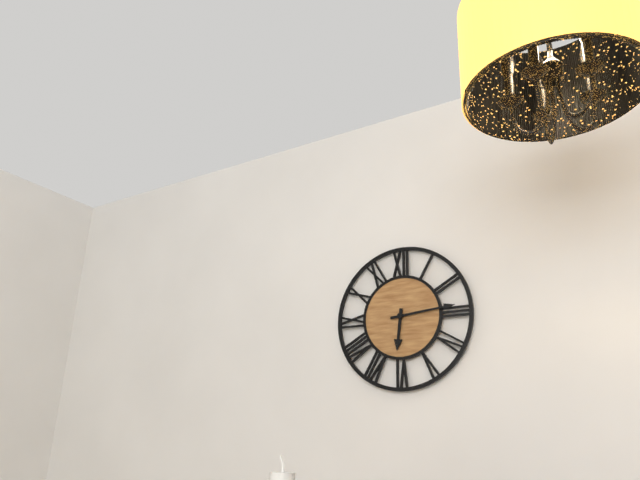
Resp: {"hour": 6, "minute": 14}
